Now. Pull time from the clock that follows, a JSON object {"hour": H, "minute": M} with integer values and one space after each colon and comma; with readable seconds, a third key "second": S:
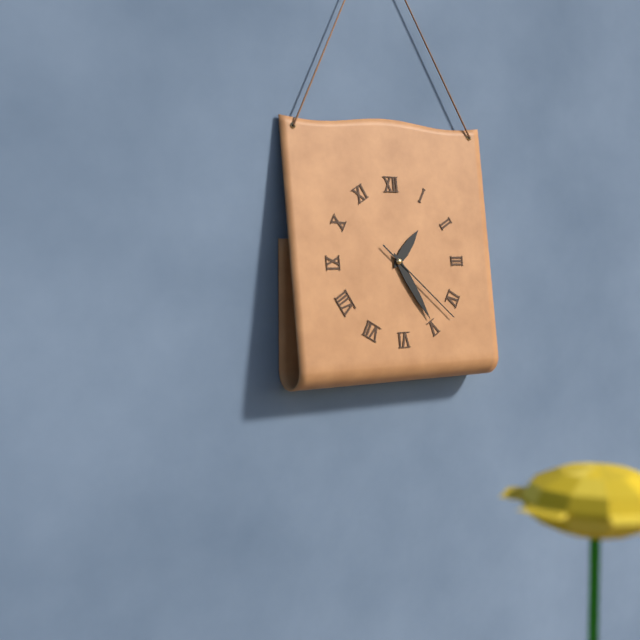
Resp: {"hour": 1, "minute": 25, "second": 22}
